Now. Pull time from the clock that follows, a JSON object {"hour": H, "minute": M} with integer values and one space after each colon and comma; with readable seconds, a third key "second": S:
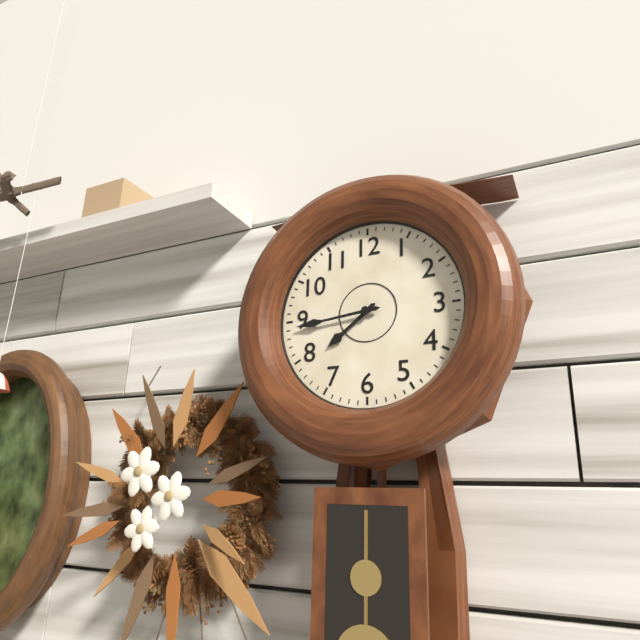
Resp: {"hour": 7, "minute": 44}
